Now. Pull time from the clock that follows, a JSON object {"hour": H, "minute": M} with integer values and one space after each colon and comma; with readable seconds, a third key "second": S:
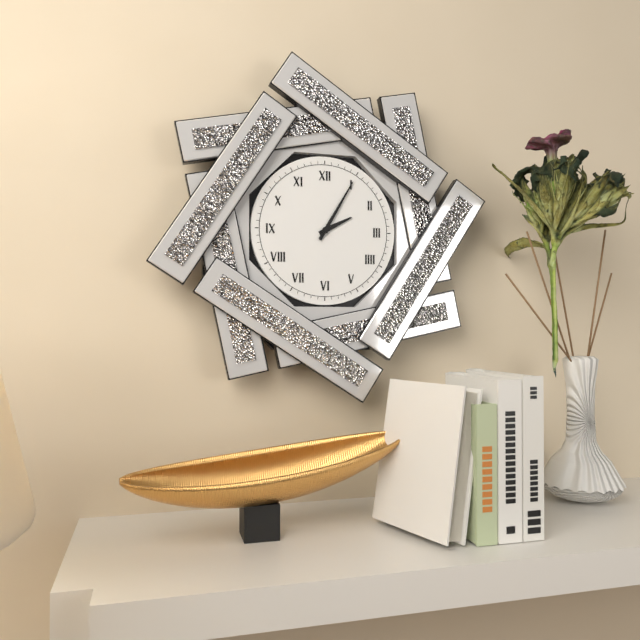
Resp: {"hour": 2, "minute": 5}
